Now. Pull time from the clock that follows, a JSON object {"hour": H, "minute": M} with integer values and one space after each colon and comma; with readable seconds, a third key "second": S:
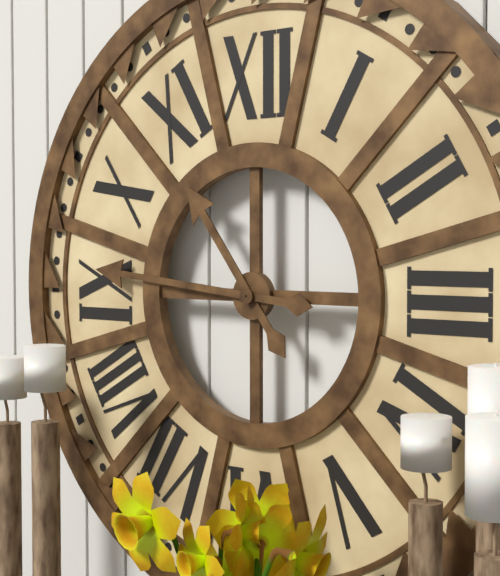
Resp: {"hour": 10, "minute": 46}
